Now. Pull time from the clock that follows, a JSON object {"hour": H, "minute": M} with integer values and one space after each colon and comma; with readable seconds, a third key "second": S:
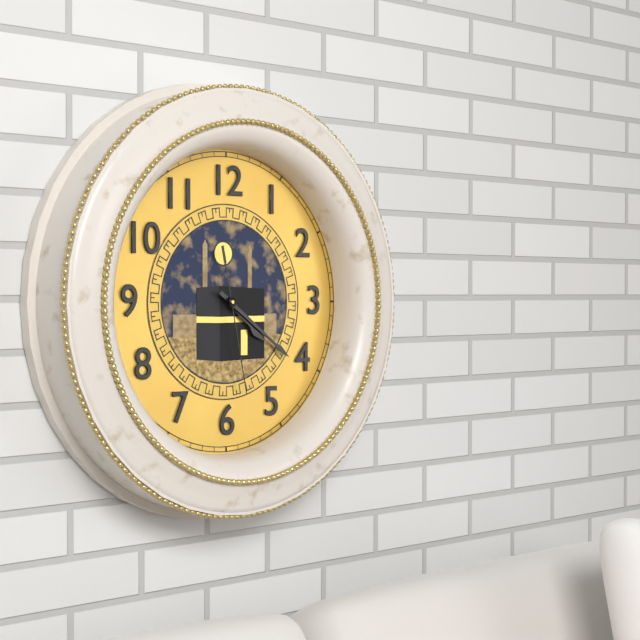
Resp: {"hour": 4, "minute": 21, "second": 28}
